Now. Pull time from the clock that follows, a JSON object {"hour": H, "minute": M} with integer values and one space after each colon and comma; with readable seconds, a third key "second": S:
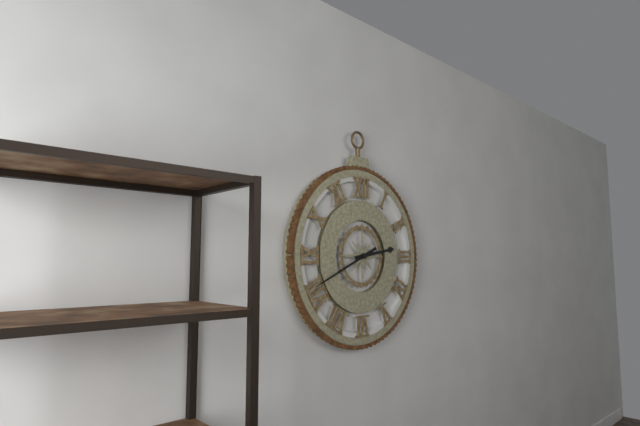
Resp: {"hour": 2, "minute": 41}
